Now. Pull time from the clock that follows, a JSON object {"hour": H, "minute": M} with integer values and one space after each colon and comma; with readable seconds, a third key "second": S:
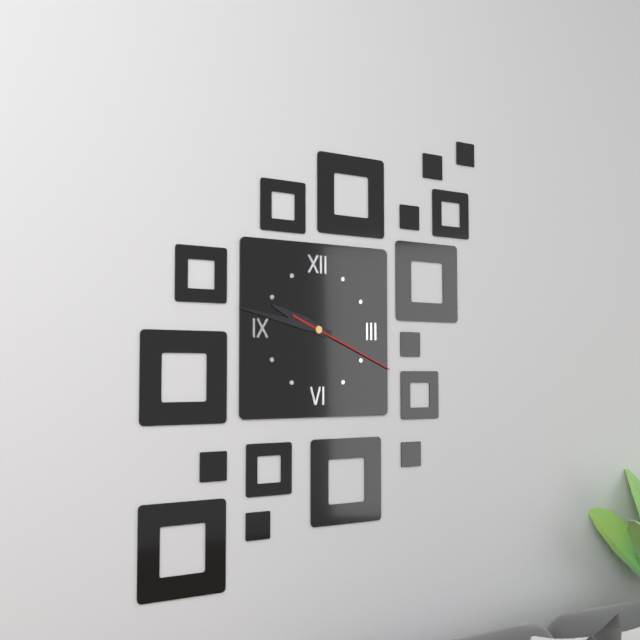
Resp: {"hour": 9, "minute": 47, "second": 19}
